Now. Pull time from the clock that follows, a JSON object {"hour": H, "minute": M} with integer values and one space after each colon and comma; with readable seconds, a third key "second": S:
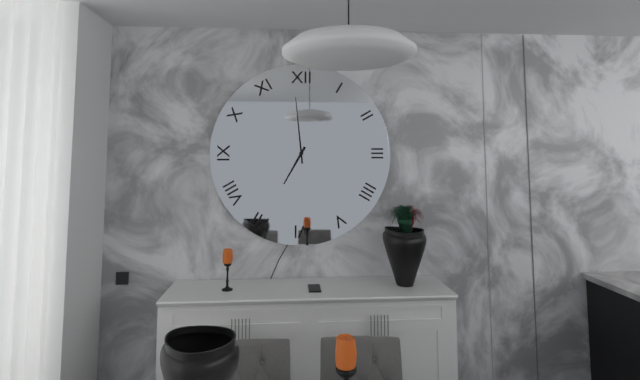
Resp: {"hour": 6, "minute": 59}
